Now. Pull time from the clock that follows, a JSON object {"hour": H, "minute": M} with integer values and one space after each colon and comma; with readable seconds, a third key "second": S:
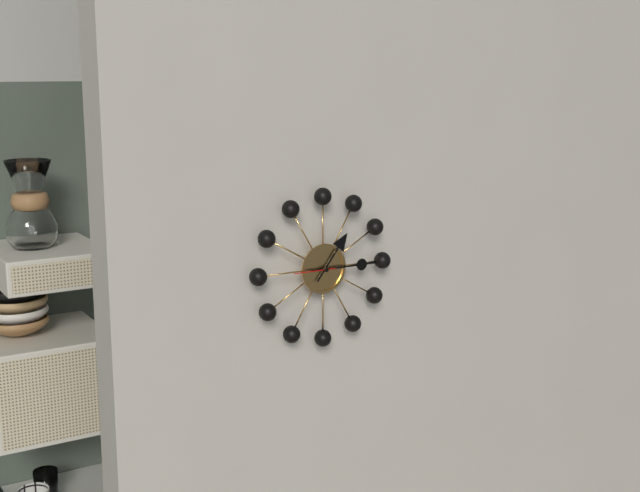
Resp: {"hour": 1, "minute": 15}
